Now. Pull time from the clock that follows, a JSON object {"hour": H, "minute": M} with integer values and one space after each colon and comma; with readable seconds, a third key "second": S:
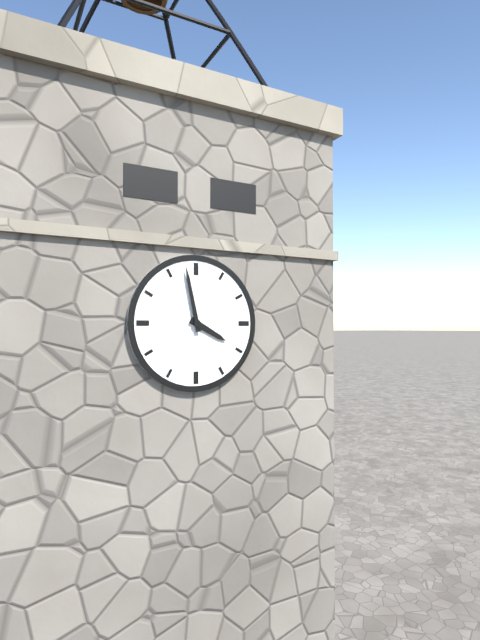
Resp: {"hour": 3, "minute": 58}
